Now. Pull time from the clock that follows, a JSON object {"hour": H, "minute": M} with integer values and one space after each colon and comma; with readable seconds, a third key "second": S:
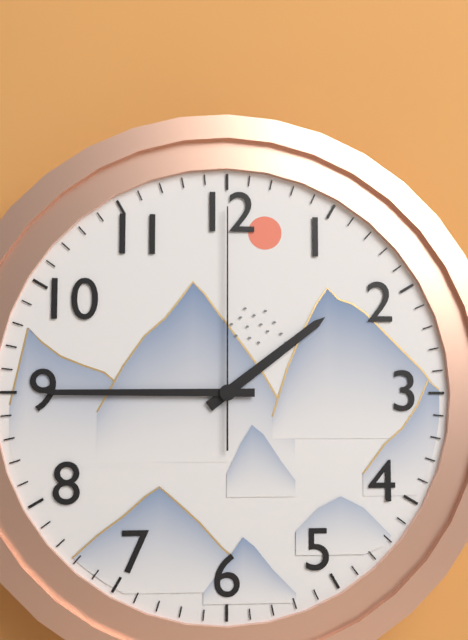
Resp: {"hour": 1, "minute": 45, "second": 0}
